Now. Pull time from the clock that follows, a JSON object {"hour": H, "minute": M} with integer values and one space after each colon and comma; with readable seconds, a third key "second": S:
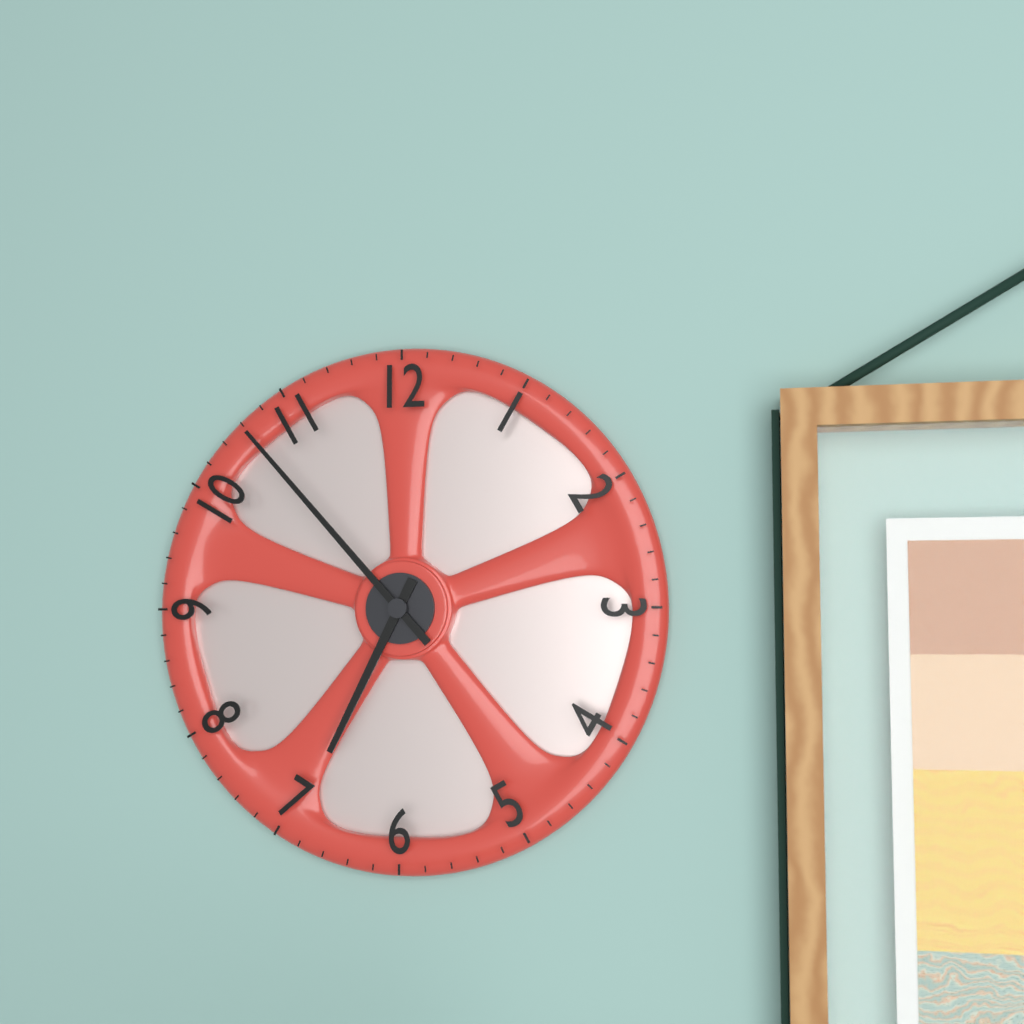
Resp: {"hour": 6, "minute": 53}
